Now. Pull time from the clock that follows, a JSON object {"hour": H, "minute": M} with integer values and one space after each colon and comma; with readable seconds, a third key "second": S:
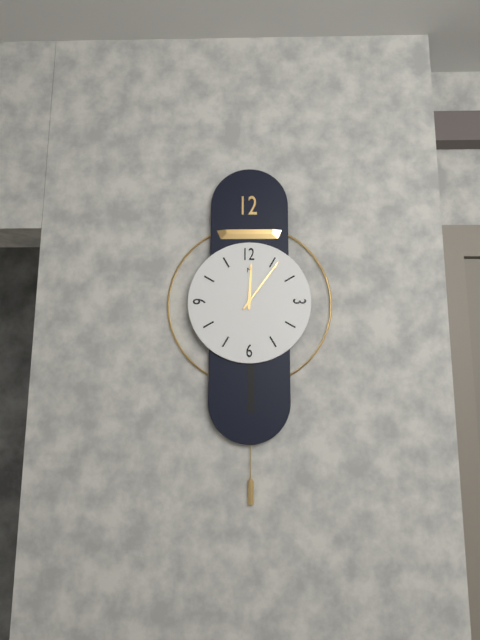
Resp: {"hour": 12, "minute": 6}
